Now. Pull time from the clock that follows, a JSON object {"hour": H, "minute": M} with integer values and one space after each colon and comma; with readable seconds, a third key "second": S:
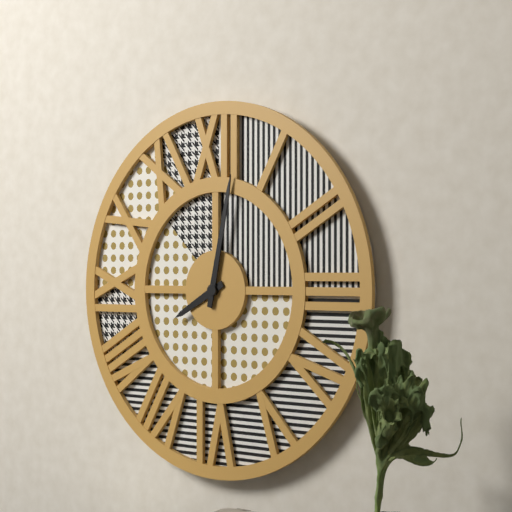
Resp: {"hour": 8, "minute": 2}
